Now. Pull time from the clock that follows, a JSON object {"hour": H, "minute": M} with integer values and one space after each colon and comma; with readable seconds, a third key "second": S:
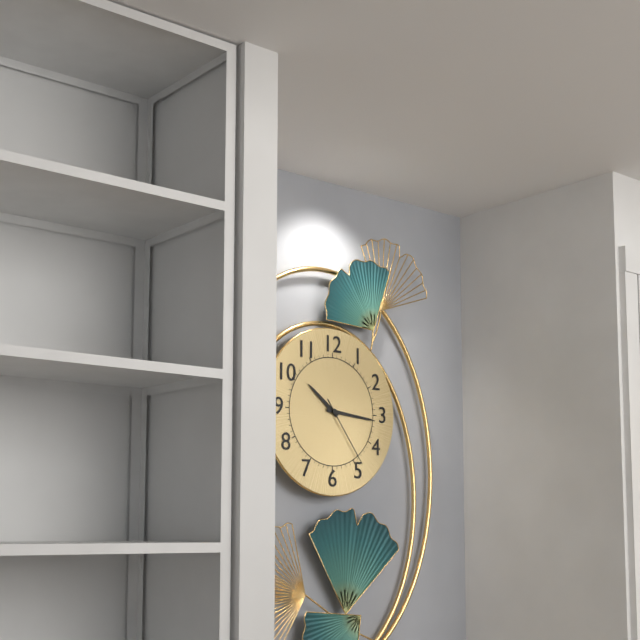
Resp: {"hour": 10, "minute": 16, "second": 24}
